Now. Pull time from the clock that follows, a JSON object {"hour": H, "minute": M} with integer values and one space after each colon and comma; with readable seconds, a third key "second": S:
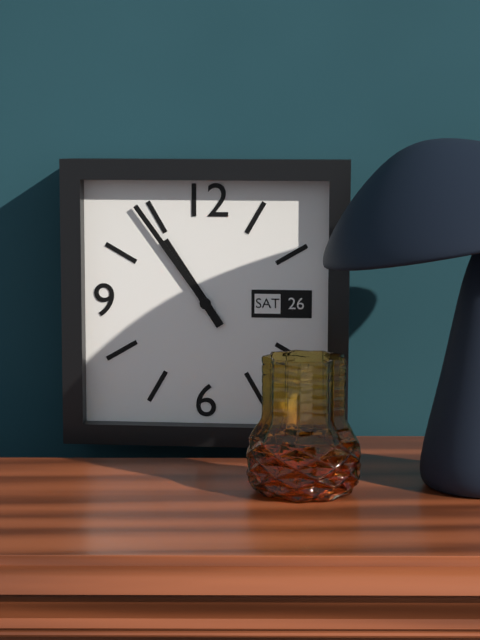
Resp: {"hour": 10, "minute": 54}
